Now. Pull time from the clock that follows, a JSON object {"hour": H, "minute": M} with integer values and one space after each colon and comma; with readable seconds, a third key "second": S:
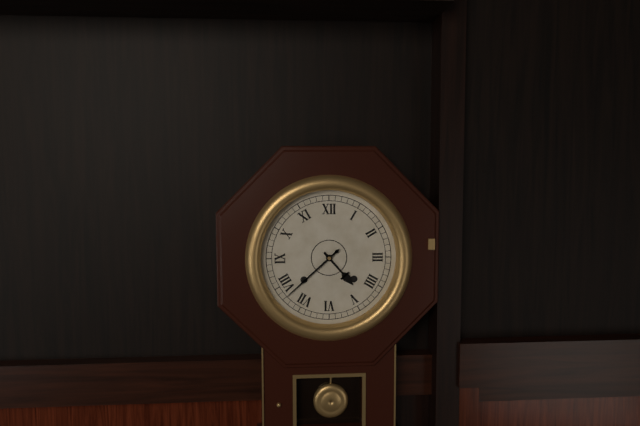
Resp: {"hour": 4, "minute": 38}
